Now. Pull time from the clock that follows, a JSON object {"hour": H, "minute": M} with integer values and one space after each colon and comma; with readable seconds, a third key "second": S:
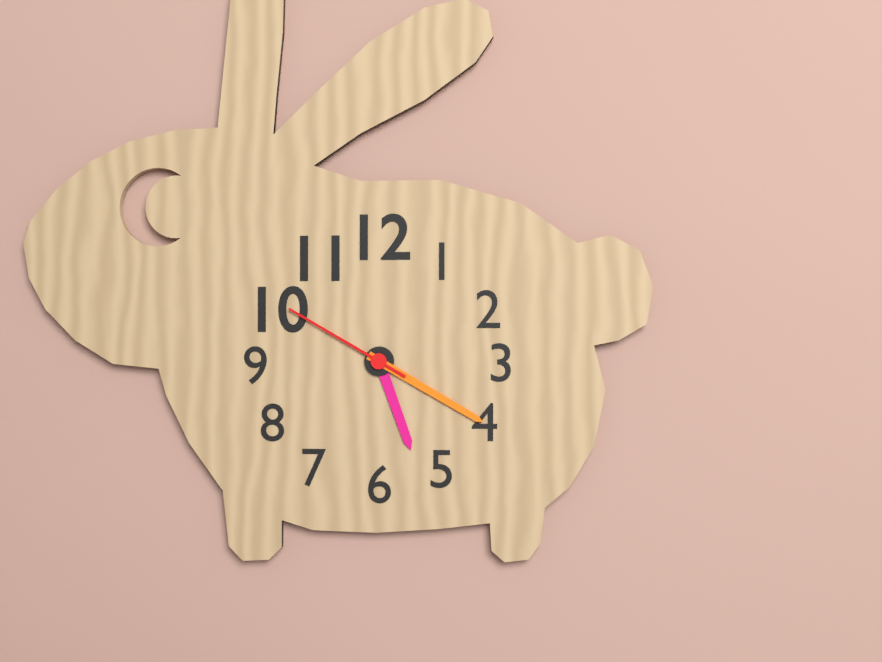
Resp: {"hour": 5, "minute": 20, "second": 50}
